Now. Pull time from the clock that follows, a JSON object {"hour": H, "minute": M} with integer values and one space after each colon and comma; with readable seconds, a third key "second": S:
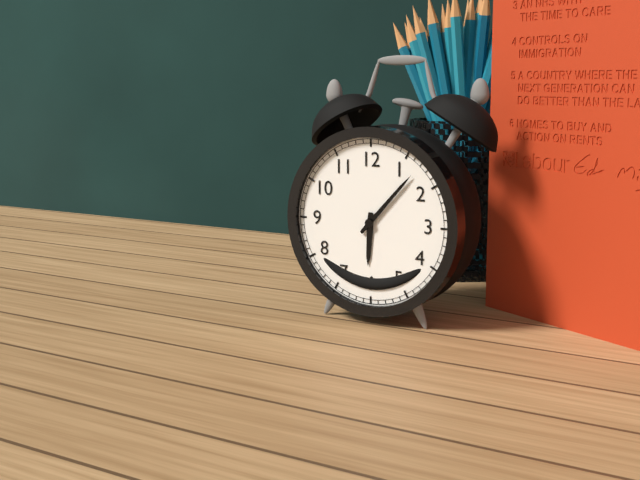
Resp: {"hour": 6, "minute": 7}
